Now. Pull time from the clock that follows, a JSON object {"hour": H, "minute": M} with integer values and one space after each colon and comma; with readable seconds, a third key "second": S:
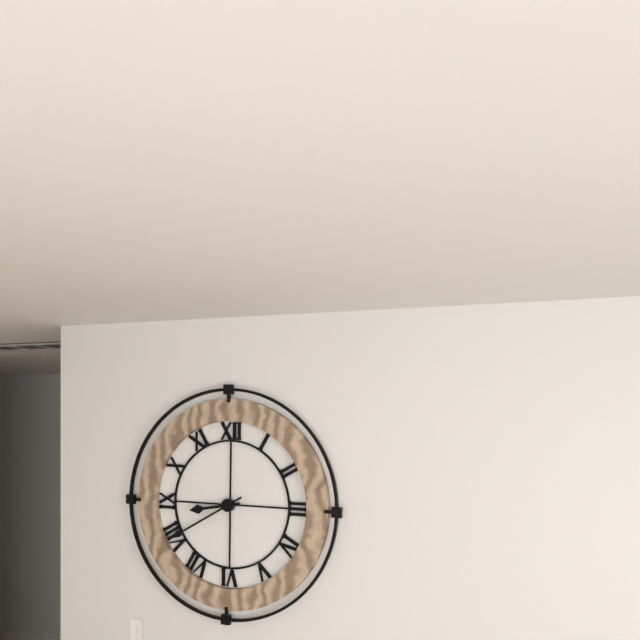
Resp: {"hour": 8, "minute": 40}
